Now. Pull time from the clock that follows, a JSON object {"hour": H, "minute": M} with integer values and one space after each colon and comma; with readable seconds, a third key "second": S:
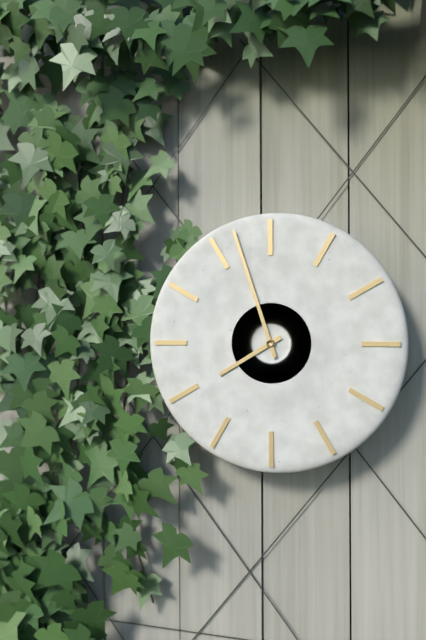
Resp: {"hour": 7, "minute": 57}
